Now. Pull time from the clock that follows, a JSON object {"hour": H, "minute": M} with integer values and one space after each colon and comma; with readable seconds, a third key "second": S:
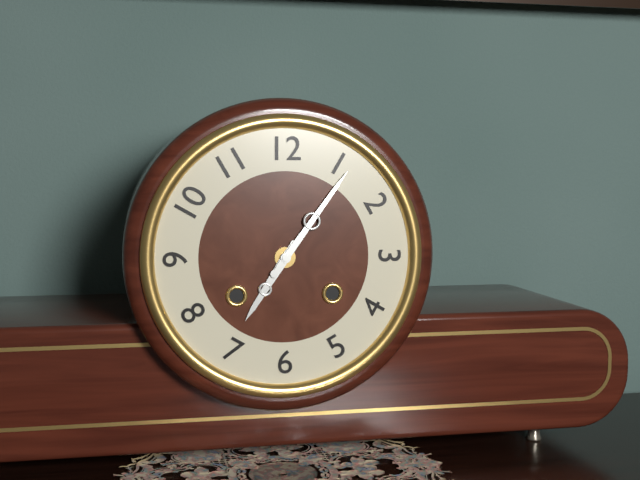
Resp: {"hour": 7, "minute": 6}
